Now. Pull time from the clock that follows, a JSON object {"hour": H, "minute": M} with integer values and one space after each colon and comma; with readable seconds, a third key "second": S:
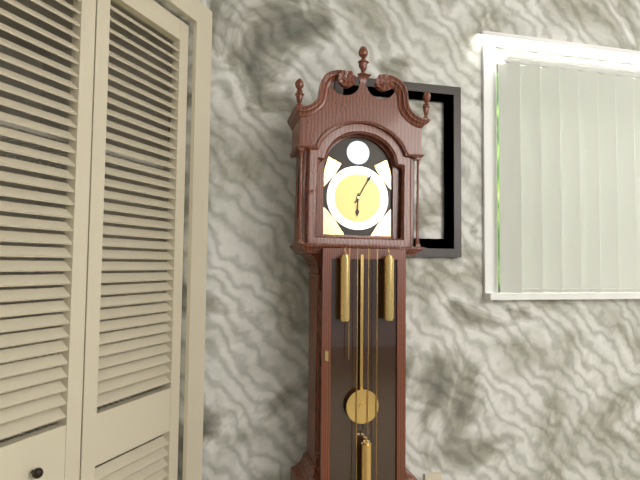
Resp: {"hour": 6, "minute": 5}
